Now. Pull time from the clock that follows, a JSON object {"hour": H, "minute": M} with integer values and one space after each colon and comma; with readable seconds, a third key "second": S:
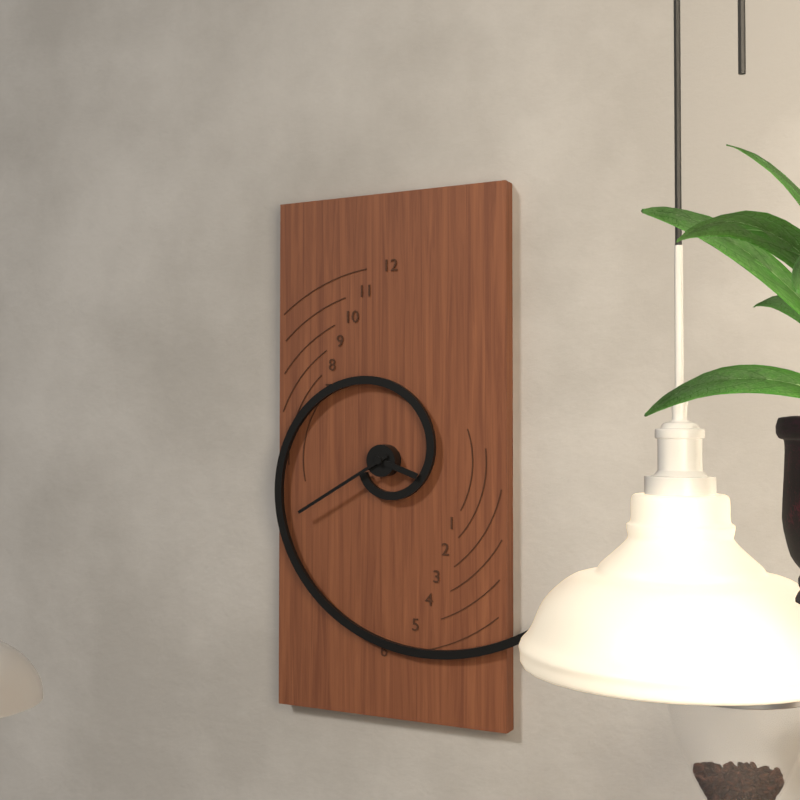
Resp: {"hour": 3, "minute": 40}
